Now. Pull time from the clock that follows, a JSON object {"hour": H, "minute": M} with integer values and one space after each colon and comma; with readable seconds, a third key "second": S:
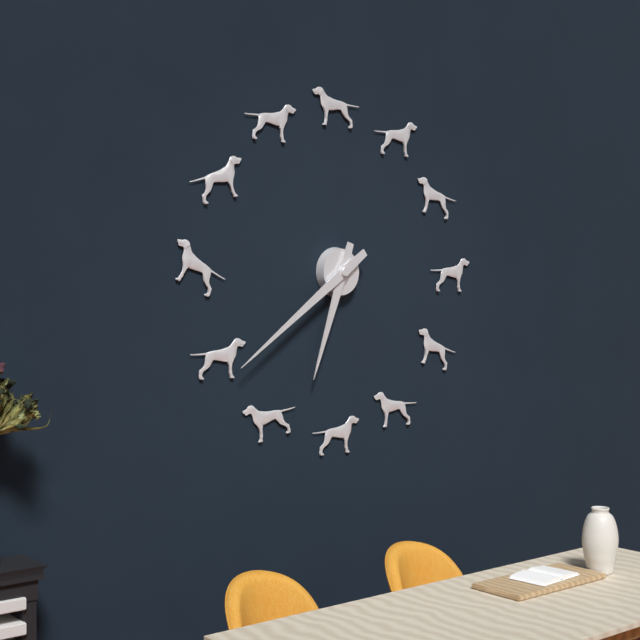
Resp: {"hour": 6, "minute": 39}
